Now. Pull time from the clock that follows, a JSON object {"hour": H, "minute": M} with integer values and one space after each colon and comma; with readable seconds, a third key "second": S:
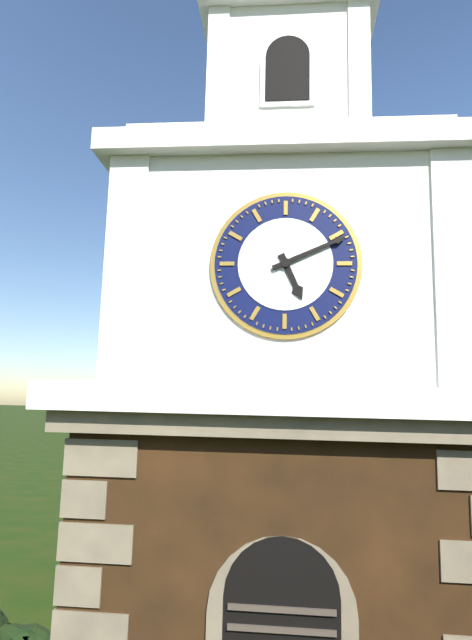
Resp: {"hour": 5, "minute": 11}
